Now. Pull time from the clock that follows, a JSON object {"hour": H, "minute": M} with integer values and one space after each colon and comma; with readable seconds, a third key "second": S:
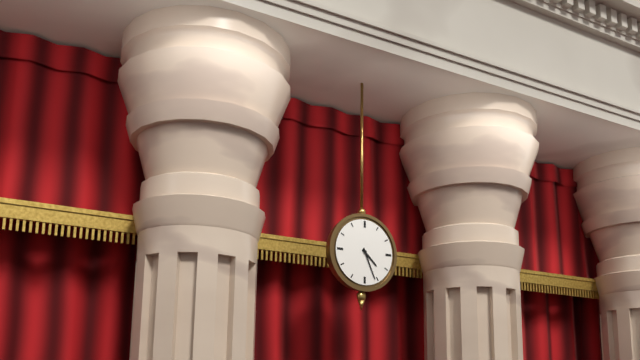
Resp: {"hour": 4, "minute": 26}
